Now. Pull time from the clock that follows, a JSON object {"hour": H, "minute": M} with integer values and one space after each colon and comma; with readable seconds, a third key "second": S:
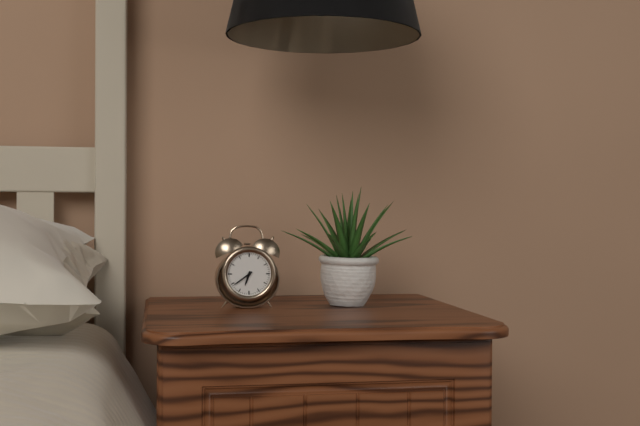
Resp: {"hour": 6, "minute": 39}
